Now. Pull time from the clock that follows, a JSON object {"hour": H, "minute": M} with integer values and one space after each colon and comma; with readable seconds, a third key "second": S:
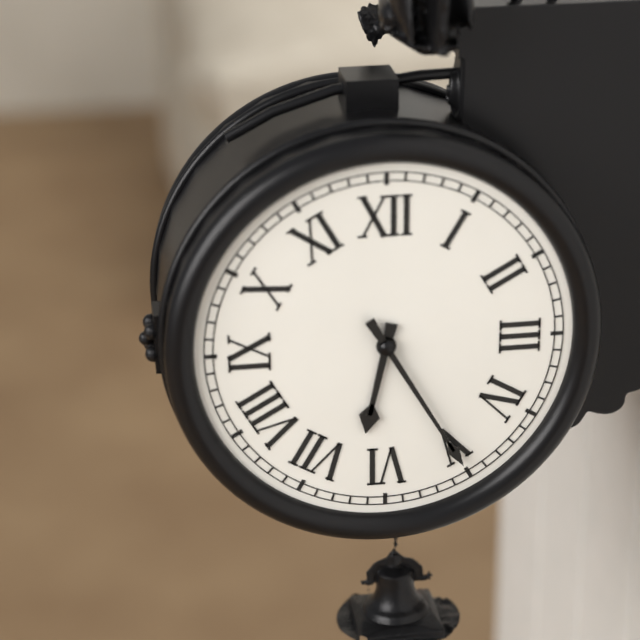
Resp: {"hour": 6, "minute": 25}
